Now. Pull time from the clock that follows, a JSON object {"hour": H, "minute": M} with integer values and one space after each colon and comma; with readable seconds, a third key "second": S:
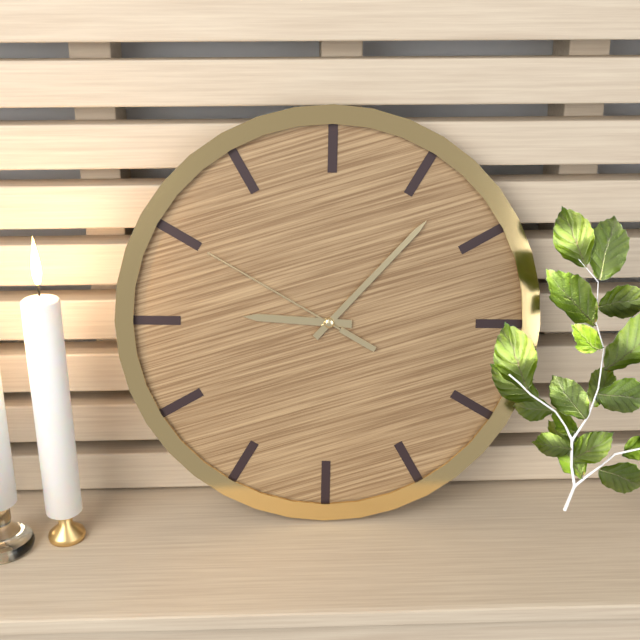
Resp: {"hour": 9, "minute": 7, "second": 50}
